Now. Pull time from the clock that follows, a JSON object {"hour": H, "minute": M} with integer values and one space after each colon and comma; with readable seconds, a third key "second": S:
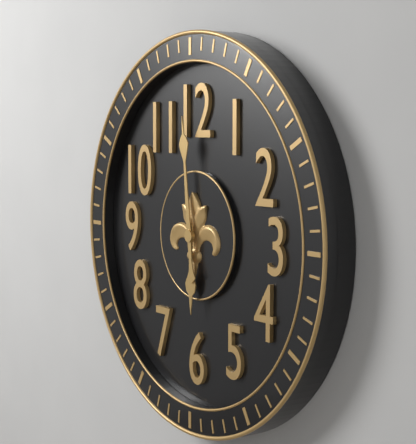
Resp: {"hour": 5, "minute": 59}
